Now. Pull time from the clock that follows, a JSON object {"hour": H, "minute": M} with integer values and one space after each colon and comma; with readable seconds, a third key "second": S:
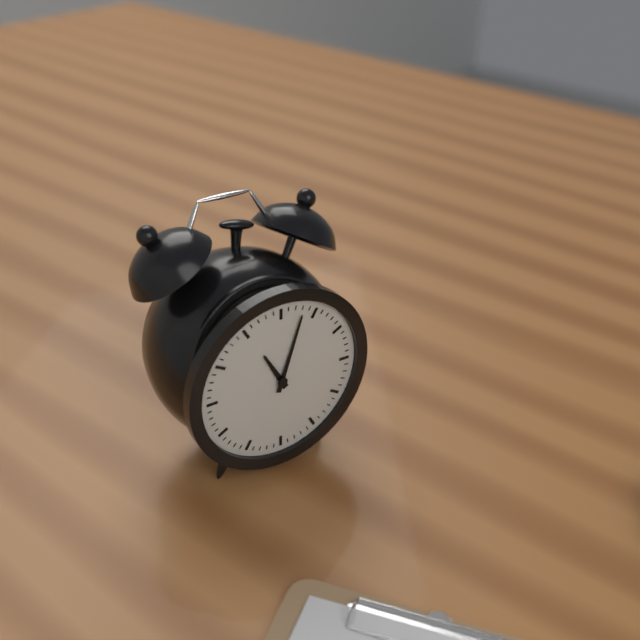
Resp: {"hour": 11, "minute": 3}
